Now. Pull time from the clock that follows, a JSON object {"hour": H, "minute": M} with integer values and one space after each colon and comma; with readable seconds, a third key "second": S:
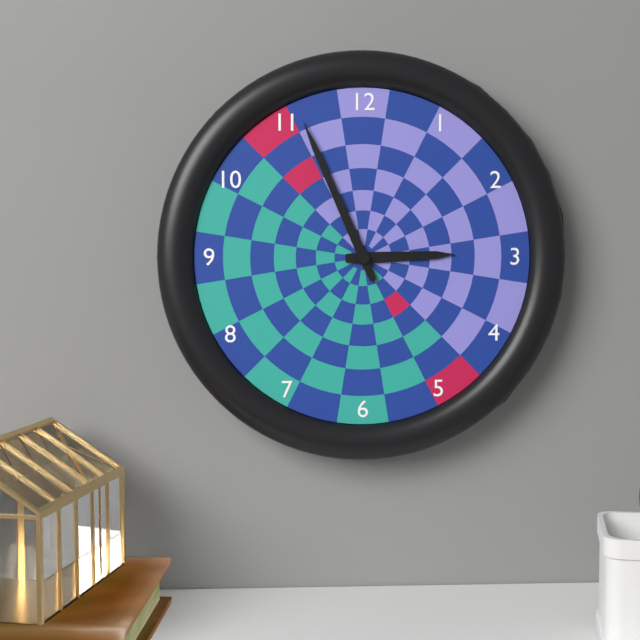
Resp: {"hour": 2, "minute": 56}
